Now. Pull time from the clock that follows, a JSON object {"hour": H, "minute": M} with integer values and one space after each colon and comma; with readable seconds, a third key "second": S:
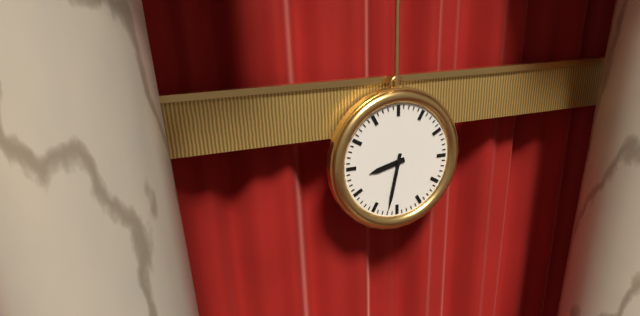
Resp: {"hour": 8, "minute": 32}
